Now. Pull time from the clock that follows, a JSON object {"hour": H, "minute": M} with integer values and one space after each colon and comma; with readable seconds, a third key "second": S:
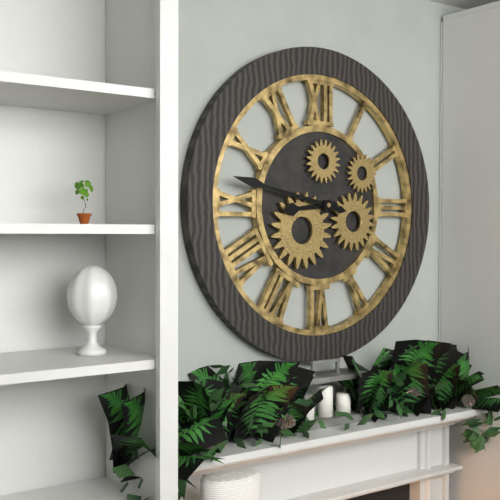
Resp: {"hour": 8, "minute": 47}
